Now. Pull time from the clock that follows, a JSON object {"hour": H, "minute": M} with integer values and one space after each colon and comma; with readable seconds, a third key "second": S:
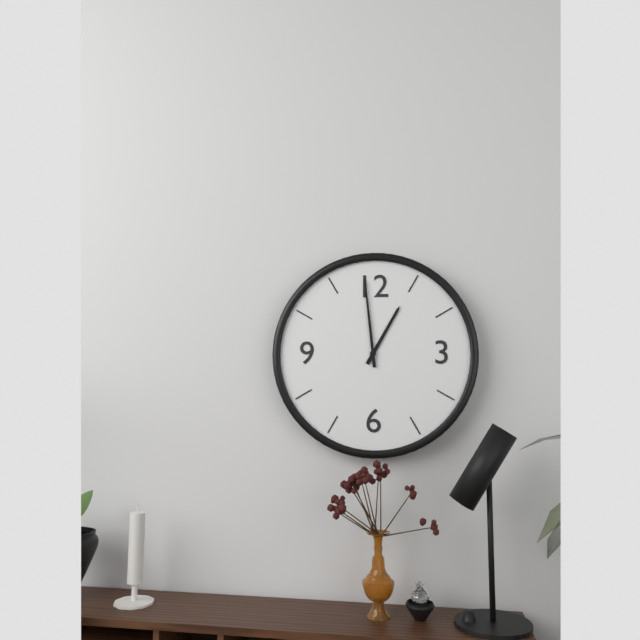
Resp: {"hour": 12, "minute": 59}
